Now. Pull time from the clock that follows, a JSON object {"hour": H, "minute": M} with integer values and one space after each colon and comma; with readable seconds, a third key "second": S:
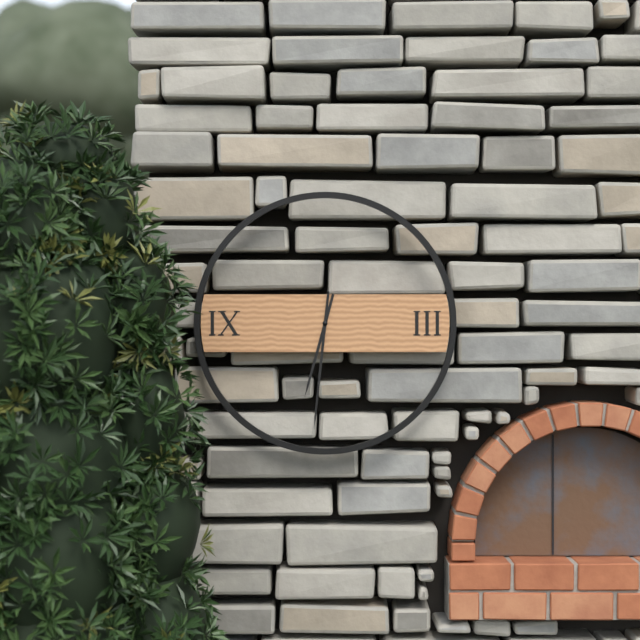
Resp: {"hour": 6, "minute": 31}
